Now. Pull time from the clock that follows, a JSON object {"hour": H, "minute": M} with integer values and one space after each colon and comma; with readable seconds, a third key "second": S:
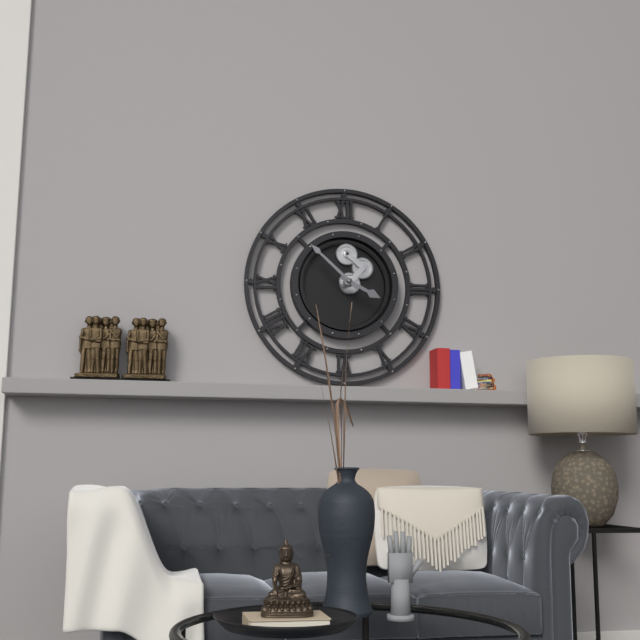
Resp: {"hour": 3, "minute": 52}
